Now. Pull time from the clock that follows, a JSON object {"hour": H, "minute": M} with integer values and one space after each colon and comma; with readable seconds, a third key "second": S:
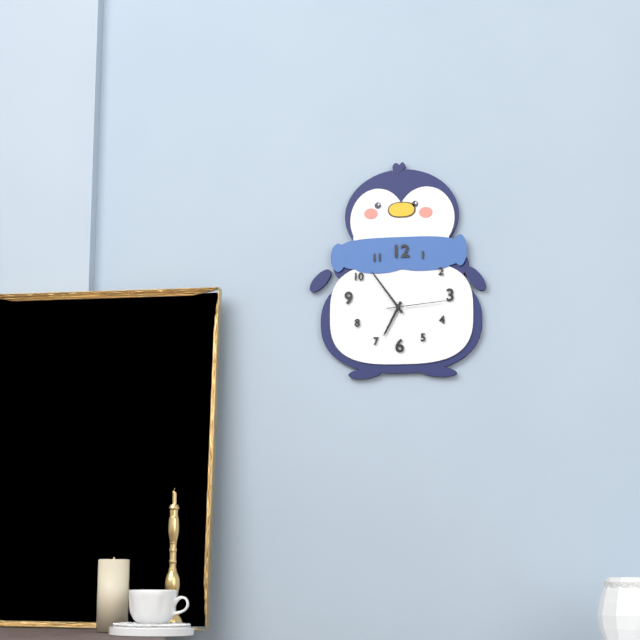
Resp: {"hour": 6, "minute": 54, "second": 14}
